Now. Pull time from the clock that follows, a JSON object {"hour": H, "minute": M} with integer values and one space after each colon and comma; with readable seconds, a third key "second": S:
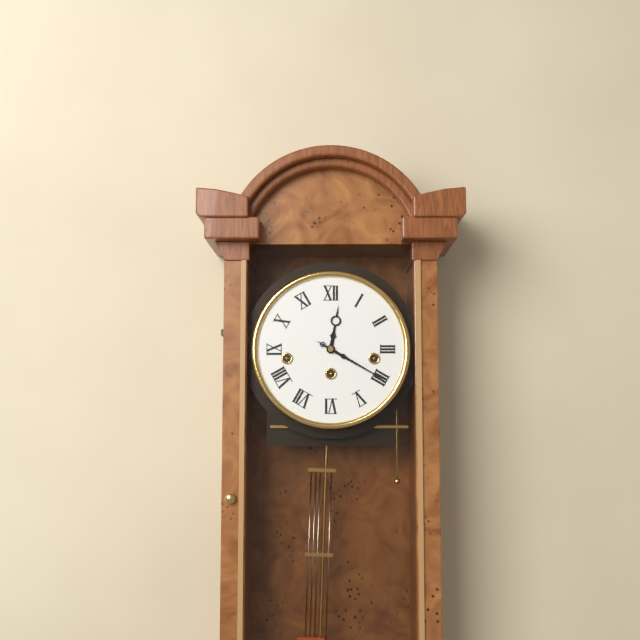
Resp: {"hour": 12, "minute": 20}
